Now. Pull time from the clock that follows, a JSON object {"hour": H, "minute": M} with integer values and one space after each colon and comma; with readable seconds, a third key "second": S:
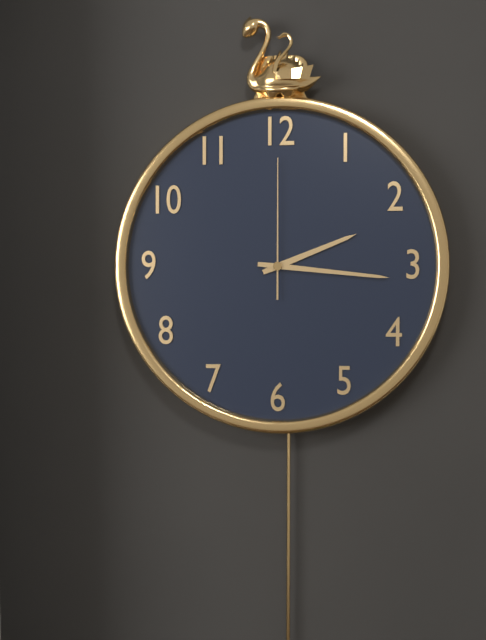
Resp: {"hour": 2, "minute": 16, "second": 0}
